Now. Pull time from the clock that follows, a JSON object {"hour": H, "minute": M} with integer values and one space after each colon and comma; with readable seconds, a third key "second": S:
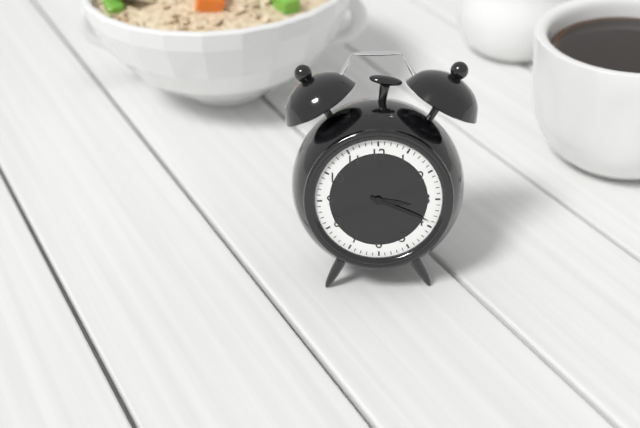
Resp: {"hour": 3, "minute": 19}
